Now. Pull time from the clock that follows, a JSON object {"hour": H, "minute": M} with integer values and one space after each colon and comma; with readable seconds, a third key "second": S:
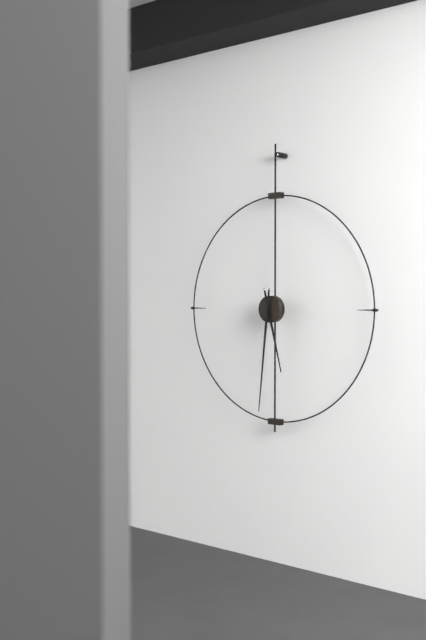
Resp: {"hour": 5, "minute": 31}
